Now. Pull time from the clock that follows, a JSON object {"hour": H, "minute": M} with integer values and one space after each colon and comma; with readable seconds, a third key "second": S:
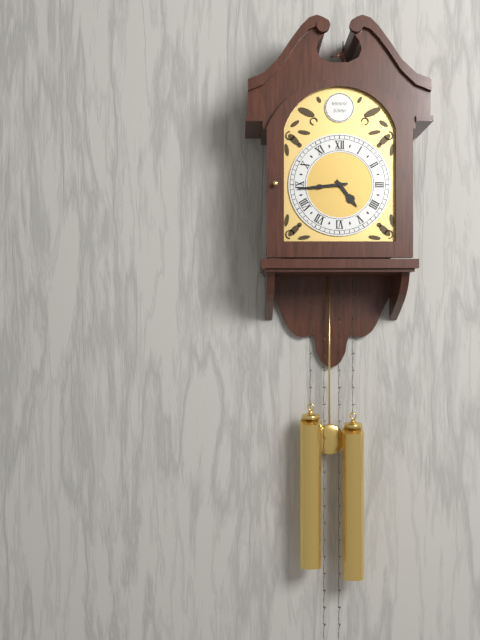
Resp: {"hour": 4, "minute": 44}
